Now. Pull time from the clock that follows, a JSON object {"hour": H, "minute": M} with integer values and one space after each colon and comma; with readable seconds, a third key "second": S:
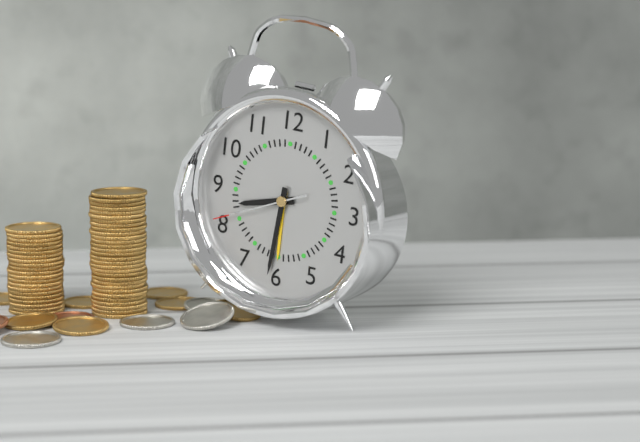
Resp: {"hour": 8, "minute": 31, "second": 41}
